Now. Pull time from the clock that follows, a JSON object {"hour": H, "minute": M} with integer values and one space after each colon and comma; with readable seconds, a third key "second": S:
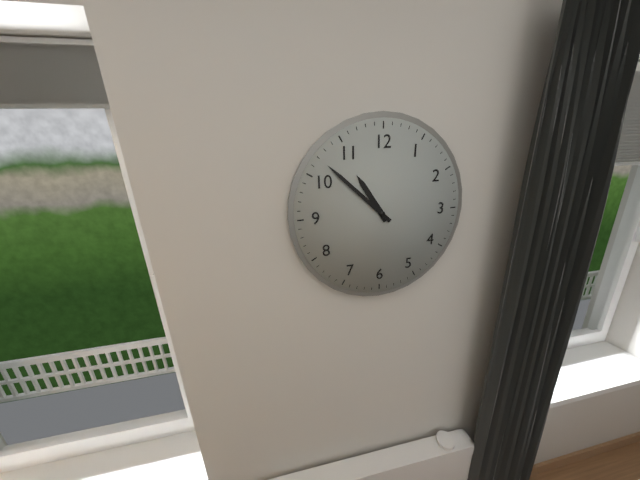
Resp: {"hour": 10, "minute": 52}
